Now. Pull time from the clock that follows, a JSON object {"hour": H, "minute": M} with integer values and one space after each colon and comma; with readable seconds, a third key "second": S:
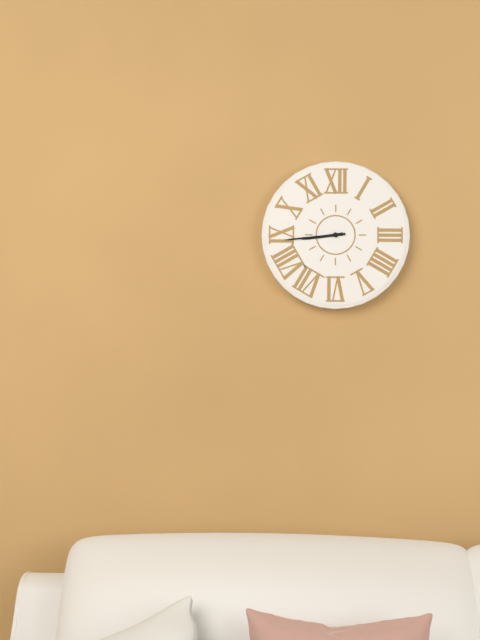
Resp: {"hour": 8, "minute": 44}
